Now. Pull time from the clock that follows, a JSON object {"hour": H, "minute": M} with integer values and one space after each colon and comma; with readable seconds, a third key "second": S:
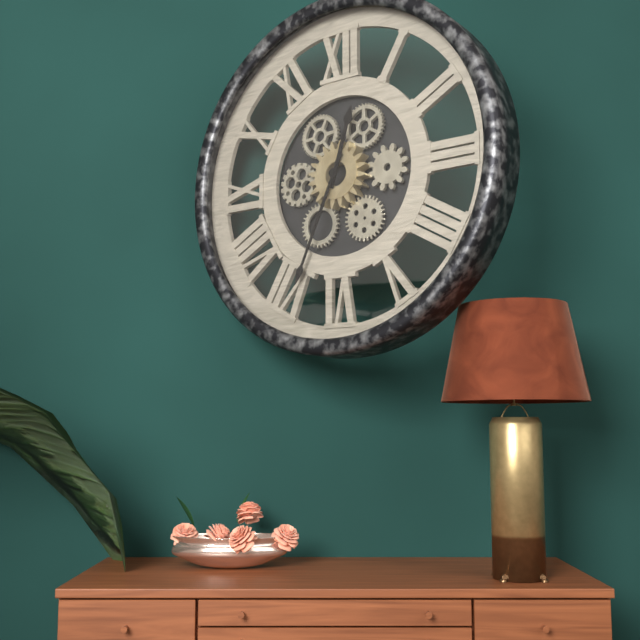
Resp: {"hour": 12, "minute": 34}
